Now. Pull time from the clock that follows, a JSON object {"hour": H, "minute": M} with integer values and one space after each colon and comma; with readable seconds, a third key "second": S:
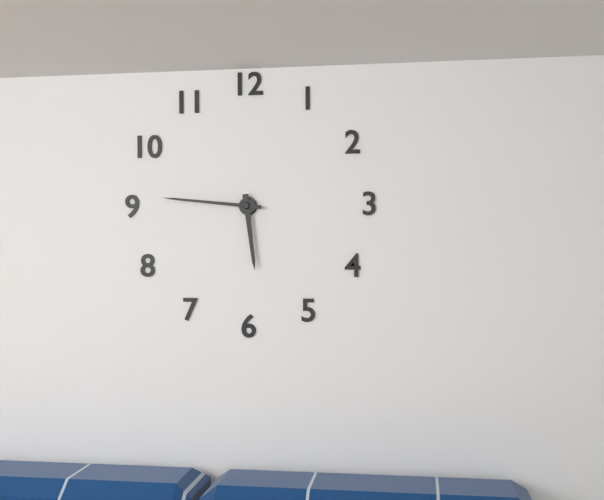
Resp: {"hour": 5, "minute": 46}
